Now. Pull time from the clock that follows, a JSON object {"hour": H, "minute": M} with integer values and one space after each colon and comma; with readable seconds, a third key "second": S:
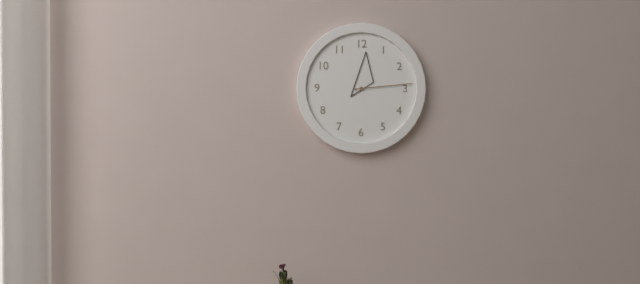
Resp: {"hour": 12, "minute": 14}
